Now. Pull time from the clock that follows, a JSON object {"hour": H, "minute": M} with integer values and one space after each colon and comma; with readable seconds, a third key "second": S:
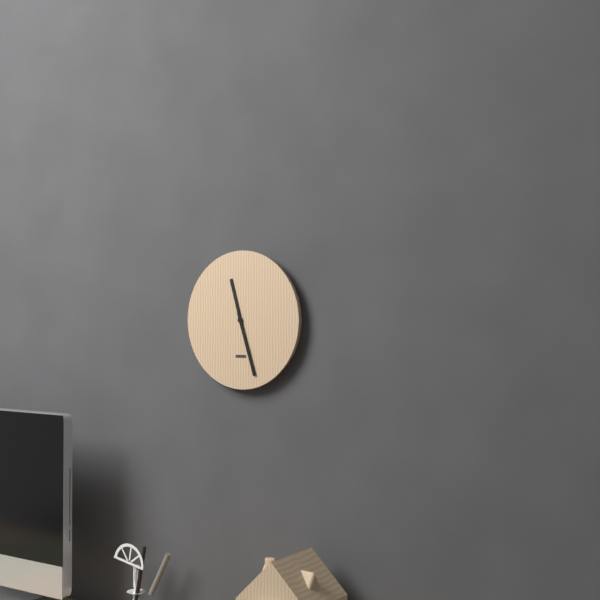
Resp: {"hour": 11, "minute": 27}
